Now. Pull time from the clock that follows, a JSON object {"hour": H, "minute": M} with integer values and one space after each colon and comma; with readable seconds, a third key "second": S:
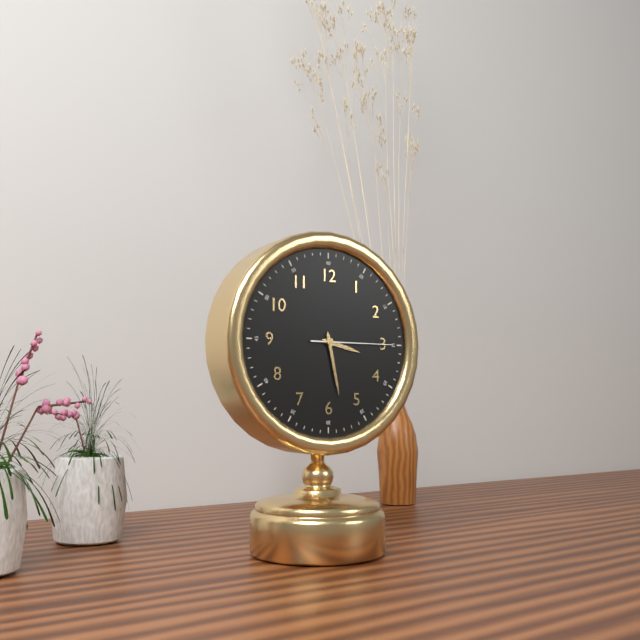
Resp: {"hour": 3, "minute": 28, "second": 15}
